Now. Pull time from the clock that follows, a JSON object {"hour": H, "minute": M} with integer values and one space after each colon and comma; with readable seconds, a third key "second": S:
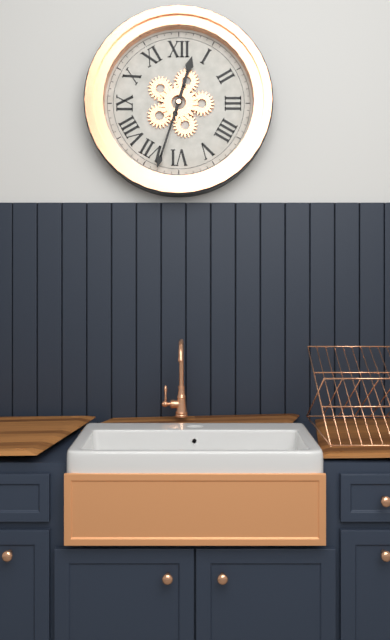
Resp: {"hour": 12, "minute": 33}
